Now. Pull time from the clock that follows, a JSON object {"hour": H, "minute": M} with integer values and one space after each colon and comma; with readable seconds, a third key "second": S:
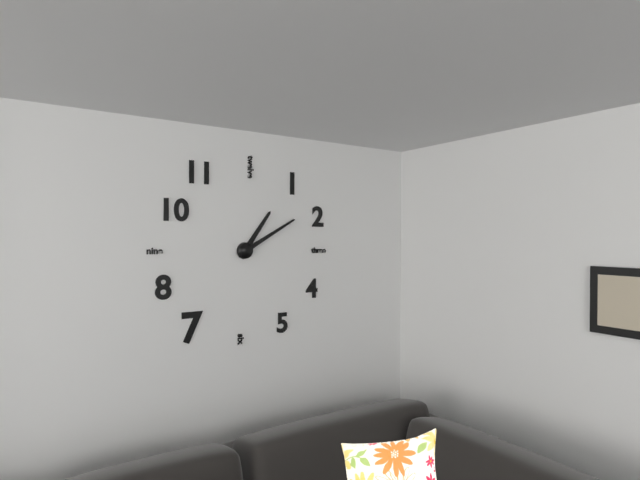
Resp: {"hour": 1, "minute": 10}
